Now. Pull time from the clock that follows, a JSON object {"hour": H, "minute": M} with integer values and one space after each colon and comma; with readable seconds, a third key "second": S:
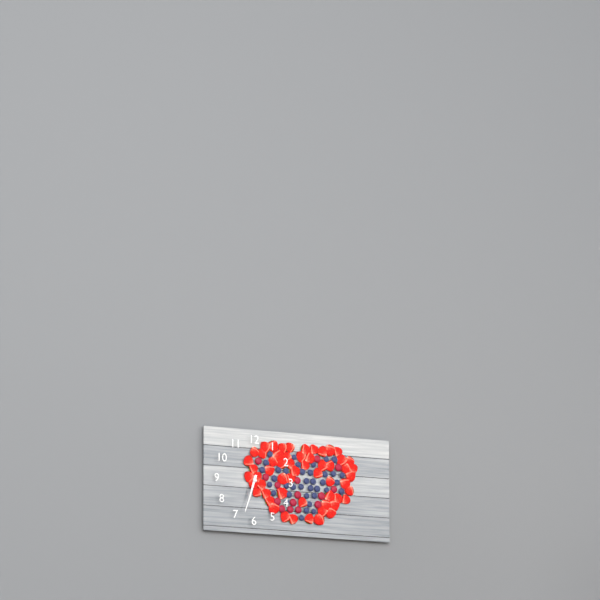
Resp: {"hour": 6, "minute": 33}
